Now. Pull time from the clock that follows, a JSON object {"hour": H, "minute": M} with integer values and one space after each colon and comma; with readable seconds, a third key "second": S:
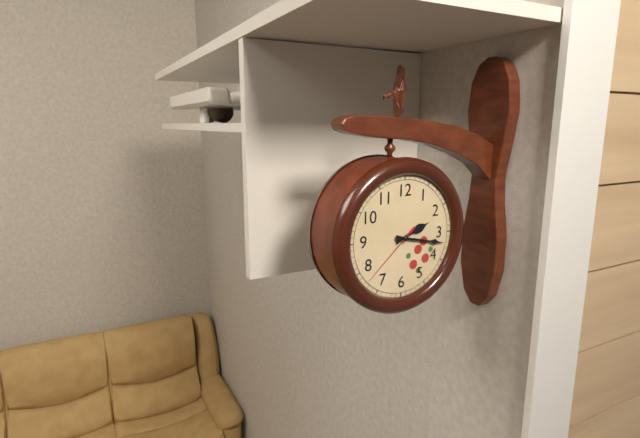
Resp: {"hour": 2, "minute": 17, "second": 38}
